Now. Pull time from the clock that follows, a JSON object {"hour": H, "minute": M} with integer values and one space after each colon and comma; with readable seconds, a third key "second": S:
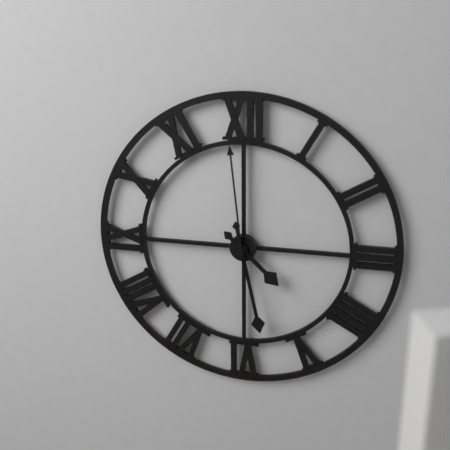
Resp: {"hour": 4, "minute": 28, "second": 59}
